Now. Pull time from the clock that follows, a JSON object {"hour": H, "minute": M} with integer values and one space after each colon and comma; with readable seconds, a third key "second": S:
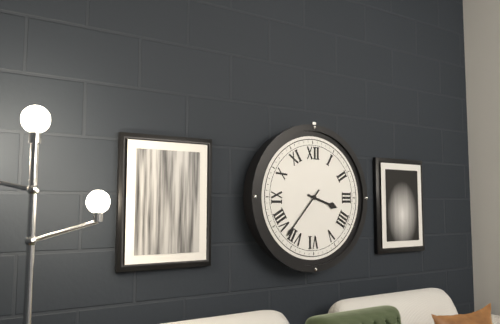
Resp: {"hour": 3, "minute": 37}
